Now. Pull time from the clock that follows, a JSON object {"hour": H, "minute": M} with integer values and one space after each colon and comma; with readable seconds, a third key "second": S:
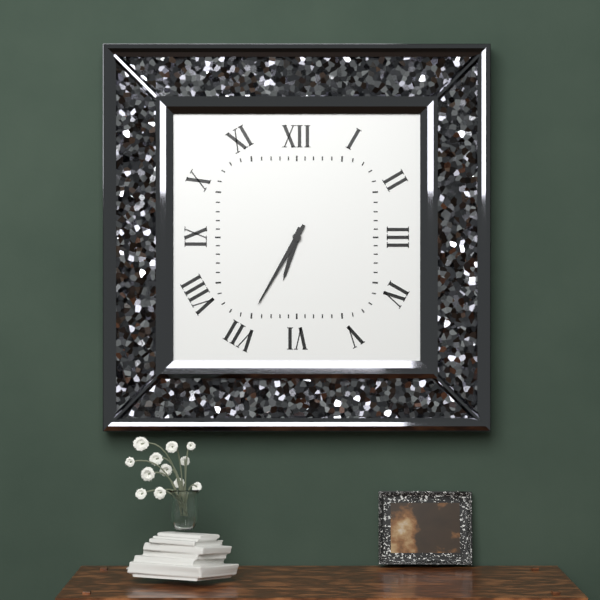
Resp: {"hour": 6, "minute": 35}
